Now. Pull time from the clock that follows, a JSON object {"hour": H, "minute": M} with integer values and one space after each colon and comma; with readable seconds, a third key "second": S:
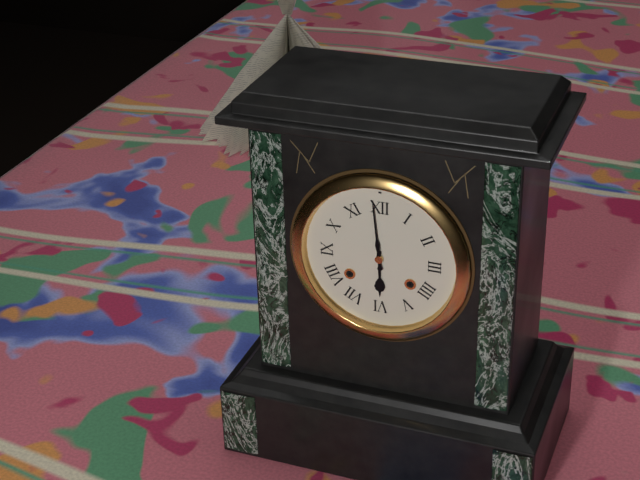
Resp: {"hour": 5, "minute": 59}
